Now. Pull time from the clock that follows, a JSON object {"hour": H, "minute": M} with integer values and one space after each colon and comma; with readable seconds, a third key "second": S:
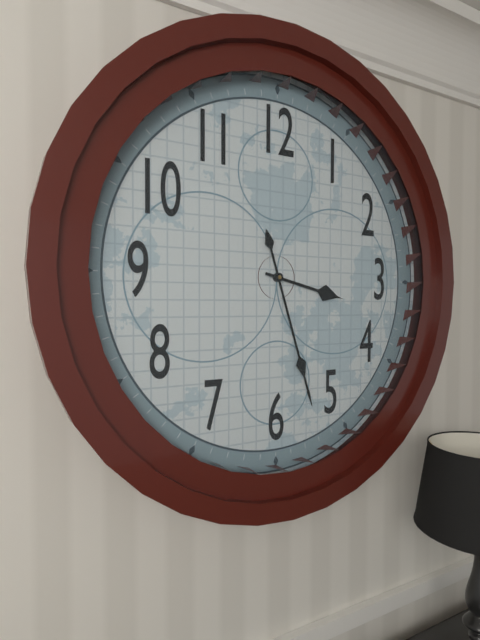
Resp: {"hour": 3, "minute": 27}
